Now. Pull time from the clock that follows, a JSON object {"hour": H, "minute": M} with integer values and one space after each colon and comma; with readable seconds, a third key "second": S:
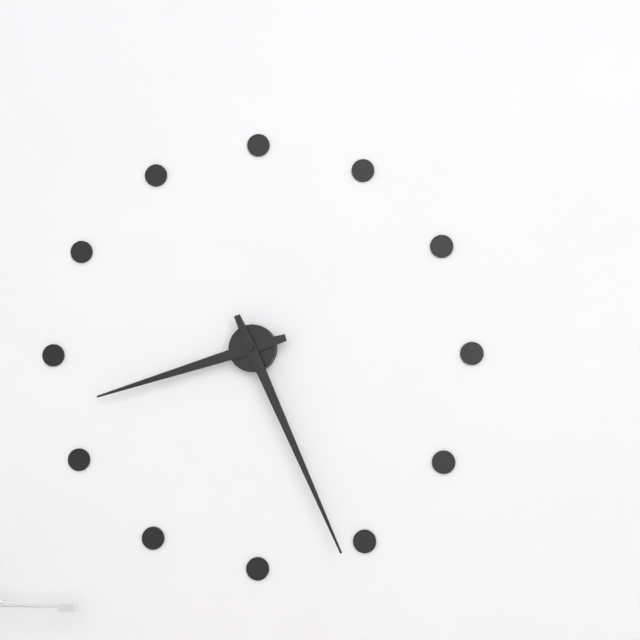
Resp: {"hour": 8, "minute": 26}
